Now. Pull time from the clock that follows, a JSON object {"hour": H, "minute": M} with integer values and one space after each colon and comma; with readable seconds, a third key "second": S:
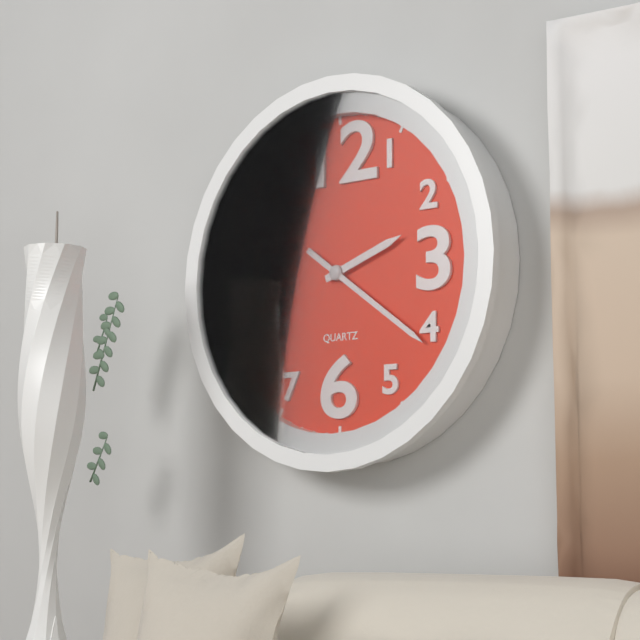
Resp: {"hour": 2, "minute": 21}
